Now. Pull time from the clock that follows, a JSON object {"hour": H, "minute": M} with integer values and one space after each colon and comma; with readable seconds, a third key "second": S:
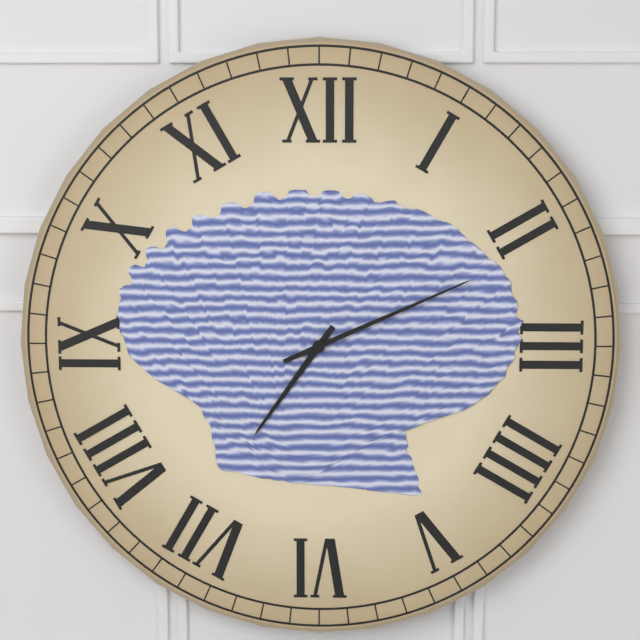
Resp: {"hour": 7, "minute": 11}
